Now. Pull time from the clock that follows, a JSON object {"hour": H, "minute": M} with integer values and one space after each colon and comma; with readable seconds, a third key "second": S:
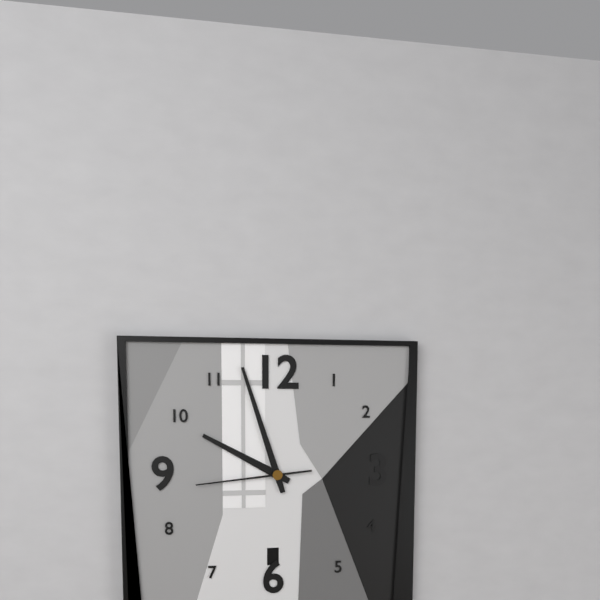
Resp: {"hour": 9, "minute": 57, "second": 44}
